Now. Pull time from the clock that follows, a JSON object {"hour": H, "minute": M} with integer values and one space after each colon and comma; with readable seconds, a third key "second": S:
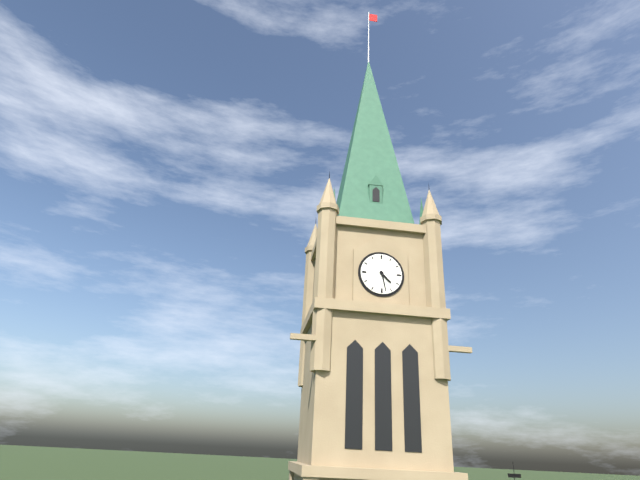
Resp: {"hour": 4, "minute": 28}
